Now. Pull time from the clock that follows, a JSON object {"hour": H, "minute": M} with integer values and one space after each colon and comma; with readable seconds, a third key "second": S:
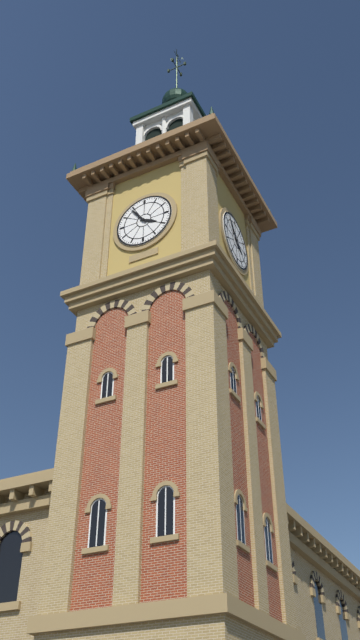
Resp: {"hour": 3, "minute": 54}
